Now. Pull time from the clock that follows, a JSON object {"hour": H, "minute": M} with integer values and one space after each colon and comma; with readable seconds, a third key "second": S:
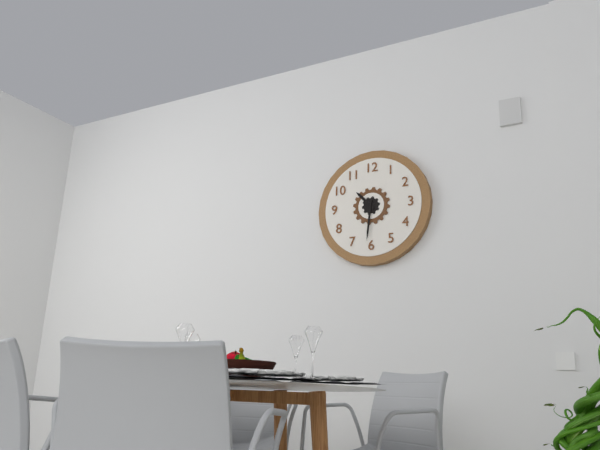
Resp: {"hour": 10, "minute": 31}
